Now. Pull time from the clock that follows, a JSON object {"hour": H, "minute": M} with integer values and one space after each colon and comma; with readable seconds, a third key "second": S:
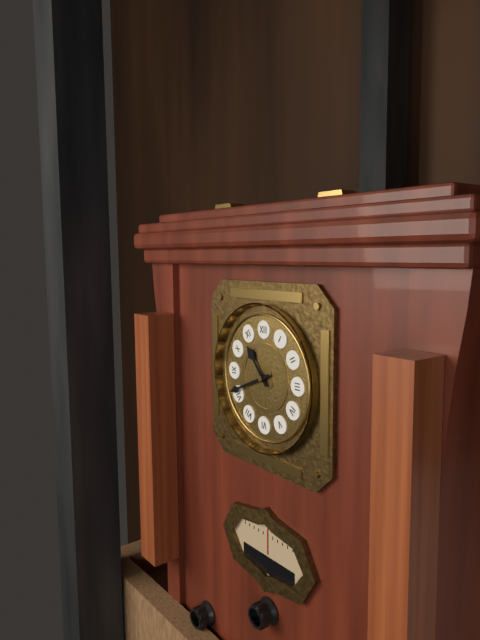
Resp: {"hour": 10, "minute": 41}
